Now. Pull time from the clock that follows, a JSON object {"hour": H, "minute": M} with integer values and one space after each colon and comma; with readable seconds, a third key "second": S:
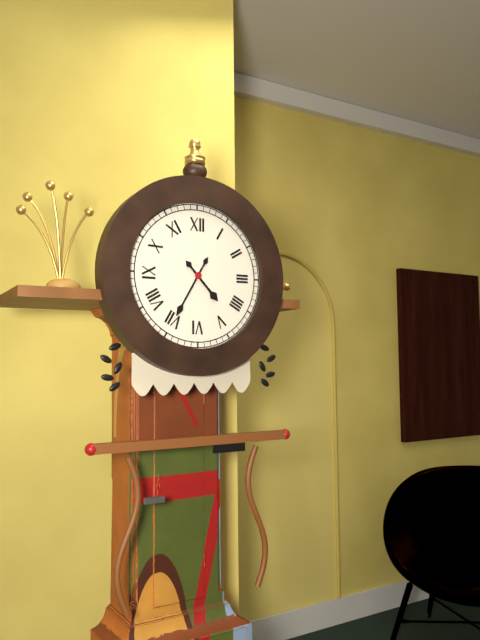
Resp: {"hour": 4, "minute": 35}
